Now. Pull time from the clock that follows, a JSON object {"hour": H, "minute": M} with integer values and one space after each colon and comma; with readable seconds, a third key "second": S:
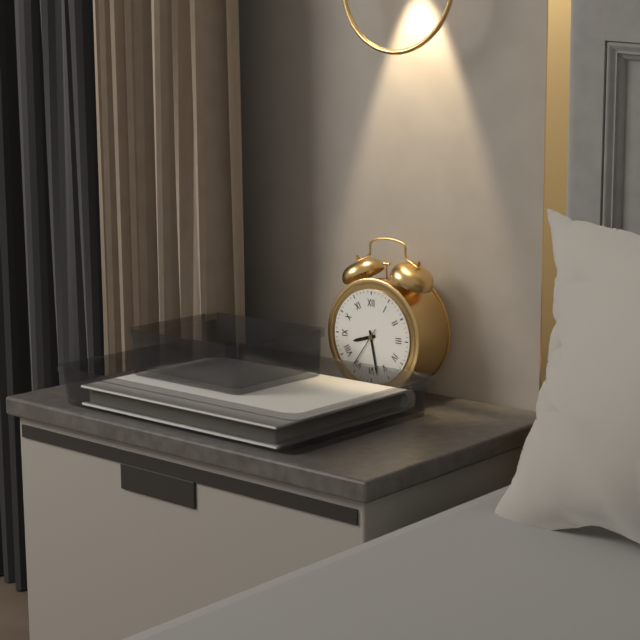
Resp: {"hour": 8, "minute": 28}
